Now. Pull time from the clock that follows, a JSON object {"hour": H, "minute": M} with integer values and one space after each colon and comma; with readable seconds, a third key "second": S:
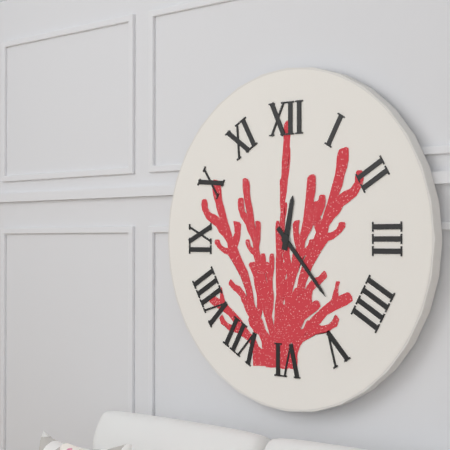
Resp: {"hour": 12, "minute": 23}
